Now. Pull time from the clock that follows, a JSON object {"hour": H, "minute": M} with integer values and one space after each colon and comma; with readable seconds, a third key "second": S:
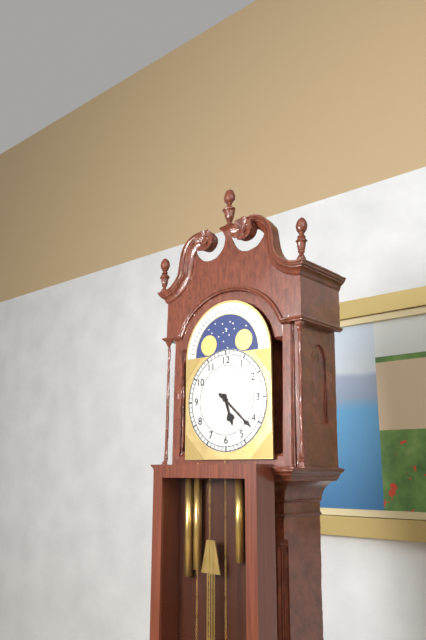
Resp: {"hour": 5, "minute": 22}
